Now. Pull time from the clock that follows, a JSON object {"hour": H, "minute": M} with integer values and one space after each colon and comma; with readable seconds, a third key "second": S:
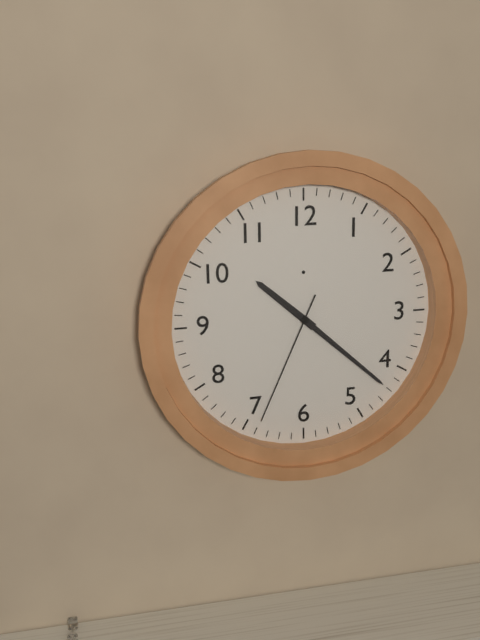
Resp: {"hour": 10, "minute": 22, "second": 34}
